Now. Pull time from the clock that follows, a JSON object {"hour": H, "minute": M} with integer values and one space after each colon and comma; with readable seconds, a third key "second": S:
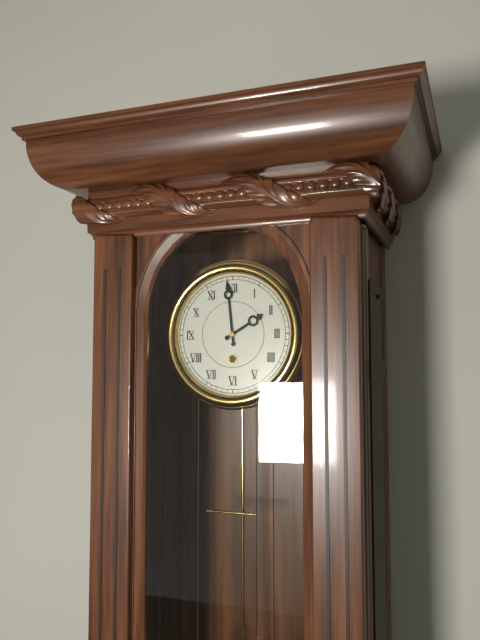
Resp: {"hour": 1, "minute": 59}
